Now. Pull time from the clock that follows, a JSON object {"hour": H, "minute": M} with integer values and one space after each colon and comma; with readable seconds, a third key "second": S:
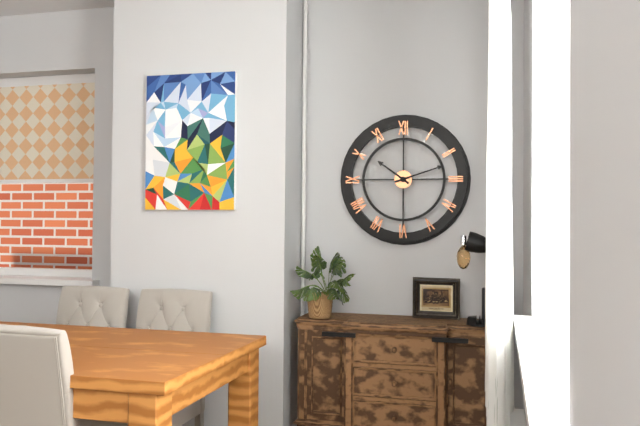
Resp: {"hour": 10, "minute": 12}
